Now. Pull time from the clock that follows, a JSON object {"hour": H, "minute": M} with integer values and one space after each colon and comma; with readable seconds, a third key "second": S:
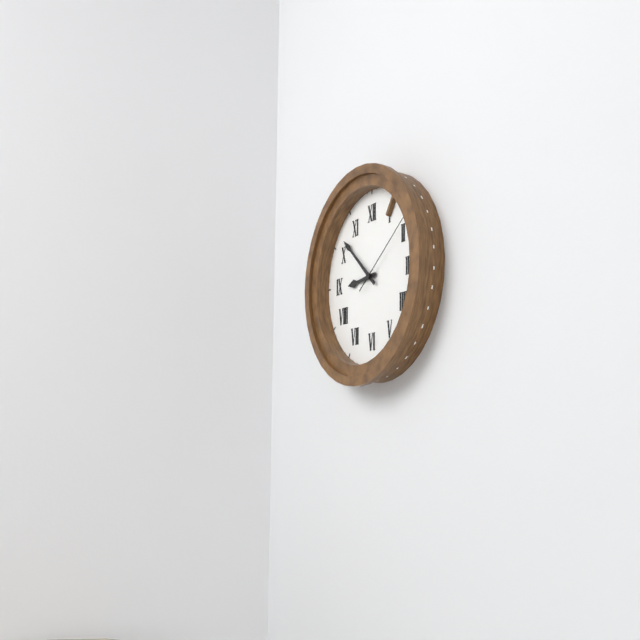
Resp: {"hour": 8, "minute": 52, "second": 9}
